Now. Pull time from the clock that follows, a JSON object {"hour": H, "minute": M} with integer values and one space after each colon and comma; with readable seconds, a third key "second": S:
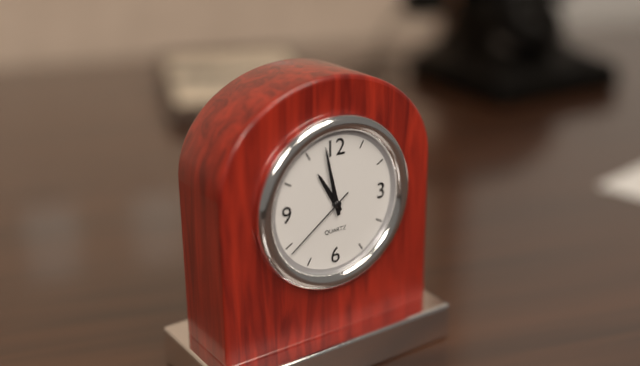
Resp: {"hour": 10, "minute": 58, "second": 39}
